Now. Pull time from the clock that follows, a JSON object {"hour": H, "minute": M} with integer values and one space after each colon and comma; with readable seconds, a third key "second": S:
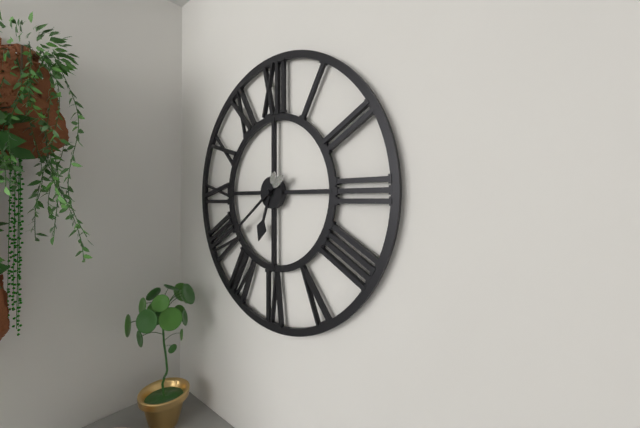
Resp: {"hour": 6, "minute": 39}
